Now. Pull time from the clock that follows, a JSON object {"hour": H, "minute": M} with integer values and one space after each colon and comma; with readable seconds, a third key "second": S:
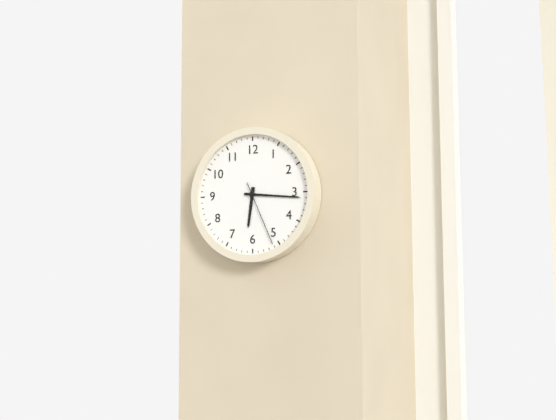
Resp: {"hour": 6, "minute": 16, "second": 26}
